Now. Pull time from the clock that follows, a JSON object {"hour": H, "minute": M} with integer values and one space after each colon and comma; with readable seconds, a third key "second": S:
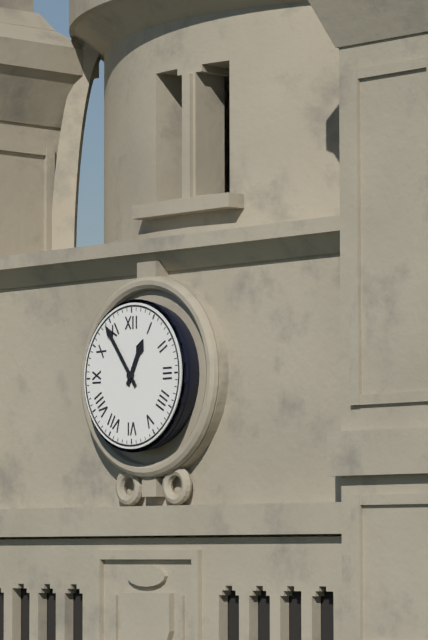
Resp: {"hour": 12, "minute": 54}
